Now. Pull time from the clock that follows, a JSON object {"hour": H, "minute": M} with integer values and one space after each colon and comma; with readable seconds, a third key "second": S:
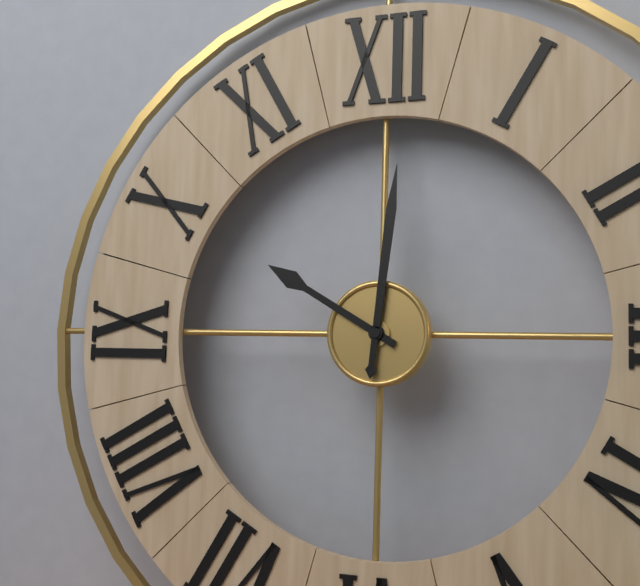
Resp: {"hour": 10, "minute": 1}
